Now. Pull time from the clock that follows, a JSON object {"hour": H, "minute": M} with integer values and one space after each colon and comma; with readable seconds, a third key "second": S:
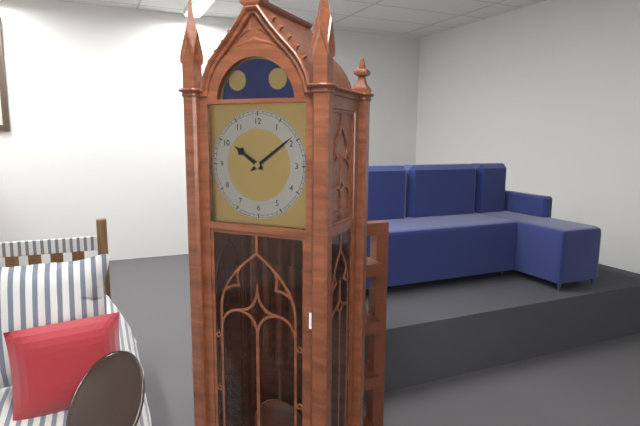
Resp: {"hour": 10, "minute": 9}
